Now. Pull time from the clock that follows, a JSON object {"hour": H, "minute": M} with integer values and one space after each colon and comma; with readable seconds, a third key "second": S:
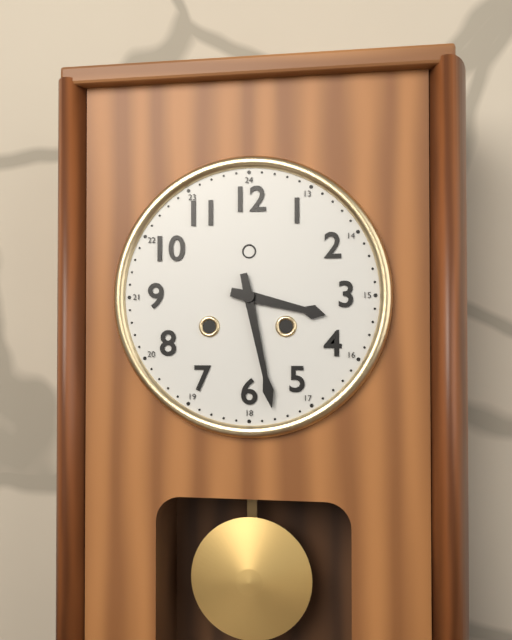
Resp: {"hour": 3, "minute": 28}
